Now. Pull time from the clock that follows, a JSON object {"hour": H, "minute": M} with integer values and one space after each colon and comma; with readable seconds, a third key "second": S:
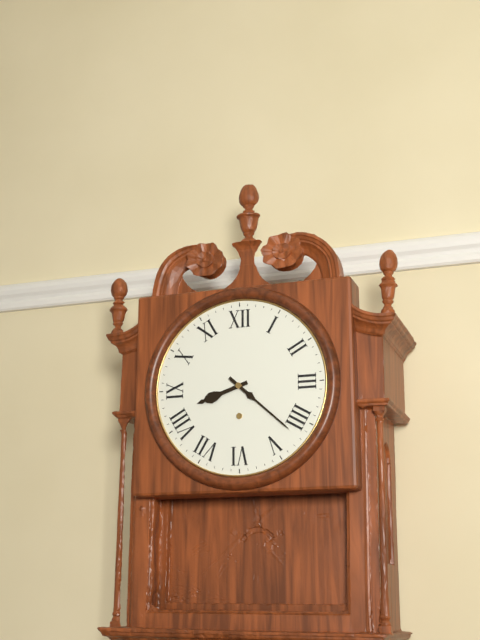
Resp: {"hour": 8, "minute": 22}
